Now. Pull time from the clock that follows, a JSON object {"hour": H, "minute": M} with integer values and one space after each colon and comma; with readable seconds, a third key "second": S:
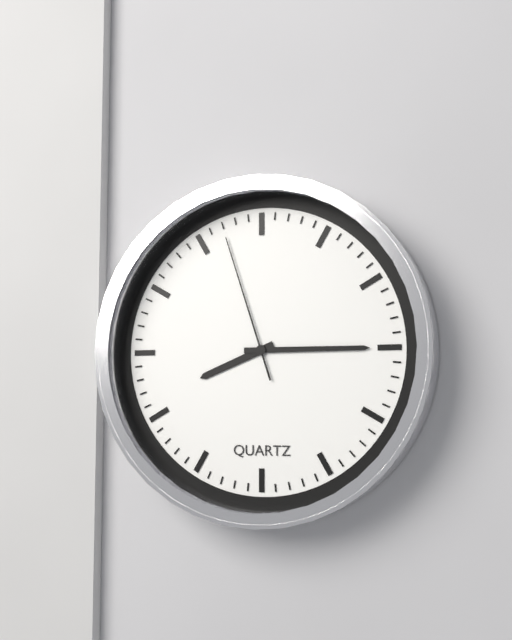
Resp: {"hour": 8, "minute": 15, "second": 57}
